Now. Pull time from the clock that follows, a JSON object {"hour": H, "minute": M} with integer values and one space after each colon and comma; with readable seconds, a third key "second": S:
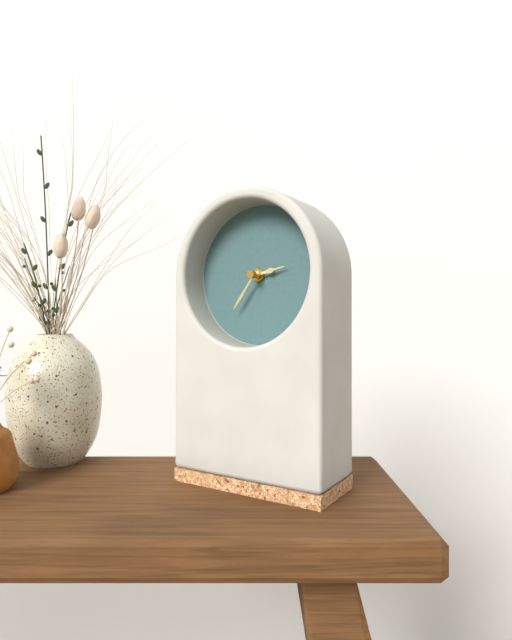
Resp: {"hour": 2, "minute": 36}
